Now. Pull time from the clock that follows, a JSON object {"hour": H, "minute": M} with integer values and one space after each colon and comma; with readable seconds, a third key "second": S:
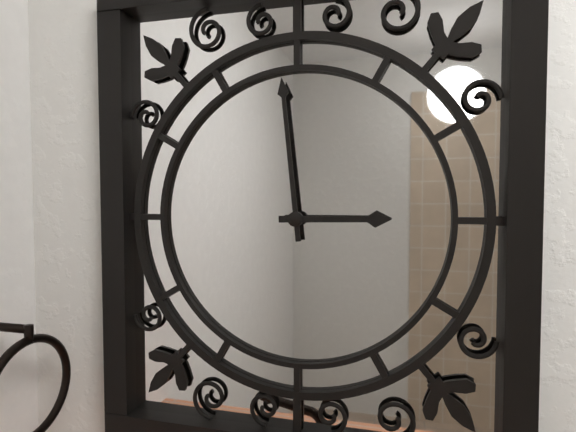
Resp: {"hour": 2, "minute": 59}
